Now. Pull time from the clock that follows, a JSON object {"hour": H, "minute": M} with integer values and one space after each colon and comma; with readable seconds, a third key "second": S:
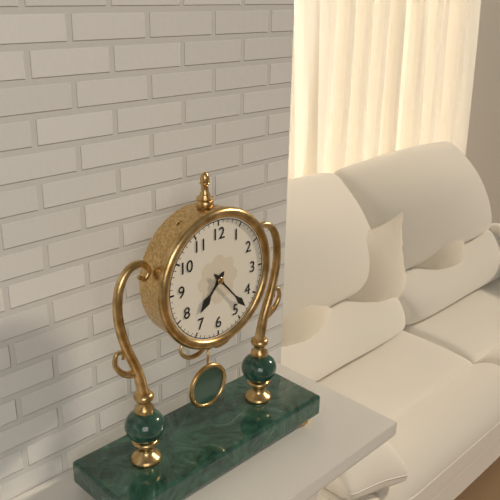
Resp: {"hour": 7, "minute": 23}
